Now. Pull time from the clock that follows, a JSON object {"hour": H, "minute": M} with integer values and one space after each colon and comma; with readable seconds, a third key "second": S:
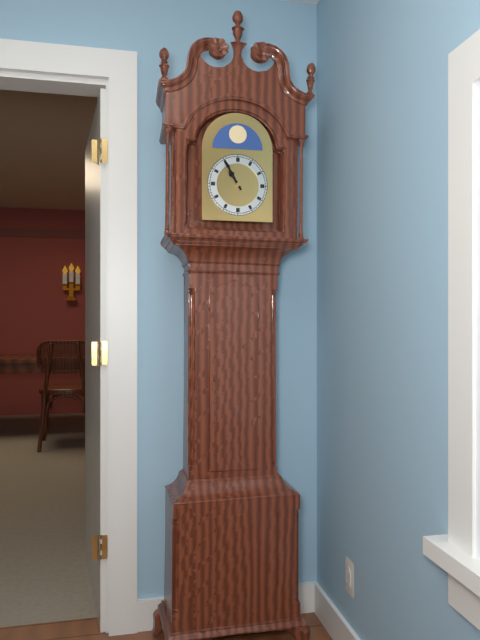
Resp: {"hour": 10, "minute": 55}
